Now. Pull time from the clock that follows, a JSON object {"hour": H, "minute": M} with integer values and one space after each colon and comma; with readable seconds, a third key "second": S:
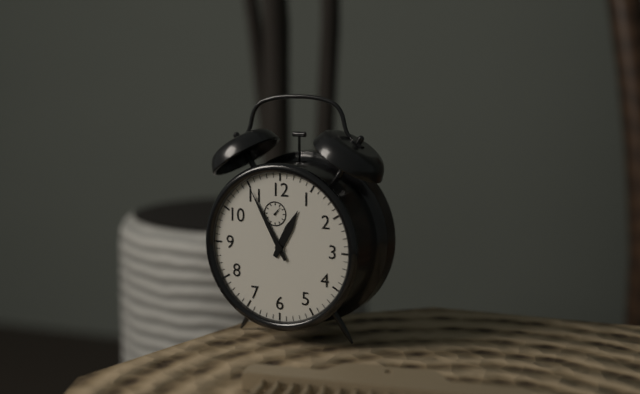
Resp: {"hour": 12, "minute": 55}
